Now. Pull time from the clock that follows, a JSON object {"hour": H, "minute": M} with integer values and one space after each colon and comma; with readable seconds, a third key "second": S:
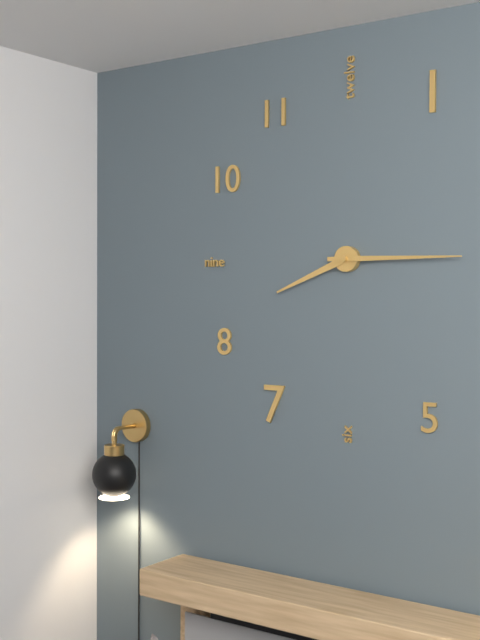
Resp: {"hour": 8, "minute": 15}
